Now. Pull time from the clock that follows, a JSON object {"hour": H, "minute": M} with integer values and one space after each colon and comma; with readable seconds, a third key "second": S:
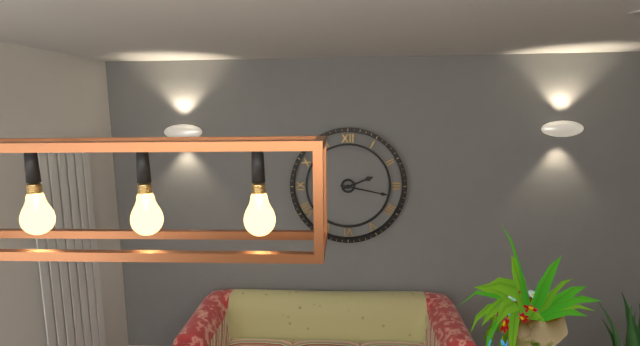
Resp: {"hour": 2, "minute": 17}
